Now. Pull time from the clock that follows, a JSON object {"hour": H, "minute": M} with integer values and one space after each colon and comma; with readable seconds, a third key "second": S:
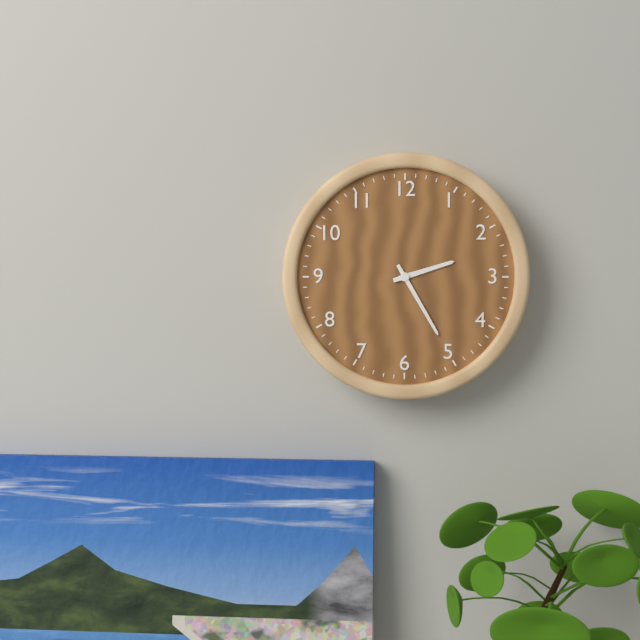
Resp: {"hour": 2, "minute": 25}
